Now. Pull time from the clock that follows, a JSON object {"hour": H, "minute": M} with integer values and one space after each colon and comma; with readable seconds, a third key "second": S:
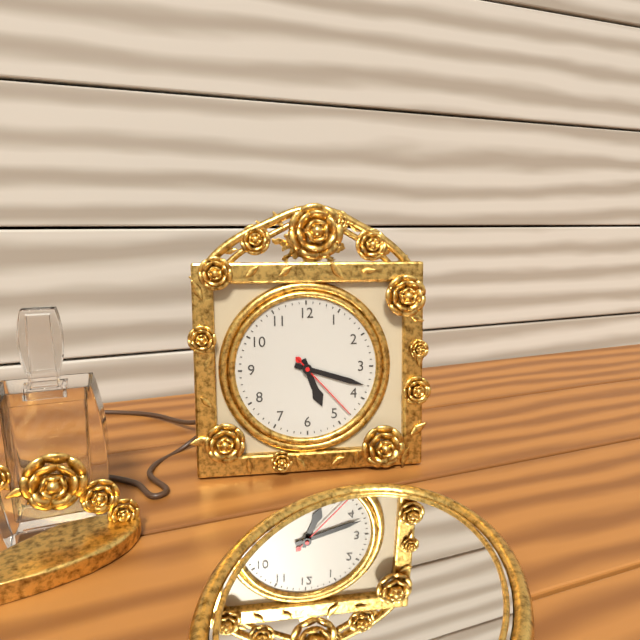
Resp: {"hour": 5, "minute": 18, "second": 23}
